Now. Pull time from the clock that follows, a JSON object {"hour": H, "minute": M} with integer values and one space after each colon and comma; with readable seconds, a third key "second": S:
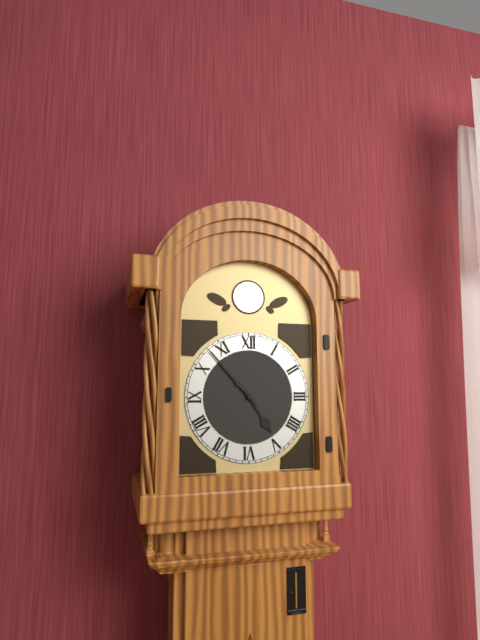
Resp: {"hour": 4, "minute": 53}
